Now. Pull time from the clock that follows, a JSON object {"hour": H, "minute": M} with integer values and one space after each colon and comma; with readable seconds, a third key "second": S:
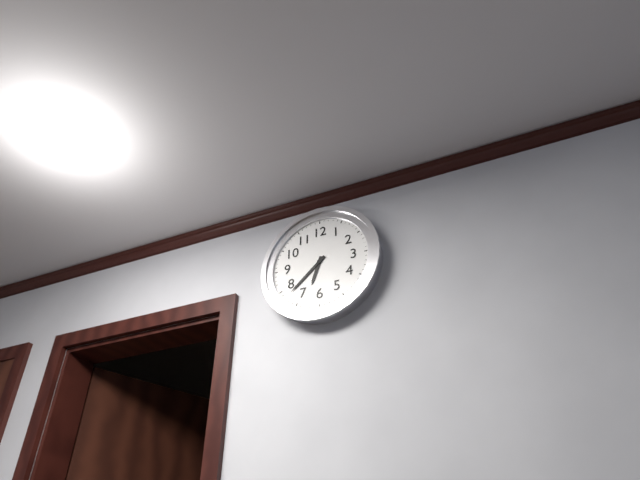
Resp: {"hour": 6, "minute": 38}
